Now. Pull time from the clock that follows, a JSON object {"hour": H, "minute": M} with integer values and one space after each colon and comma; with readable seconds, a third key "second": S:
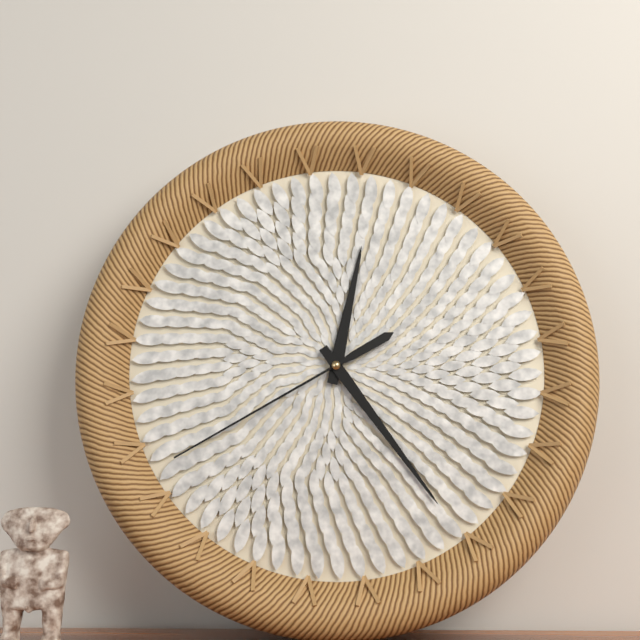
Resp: {"hour": 12, "minute": 24, "second": 40}
